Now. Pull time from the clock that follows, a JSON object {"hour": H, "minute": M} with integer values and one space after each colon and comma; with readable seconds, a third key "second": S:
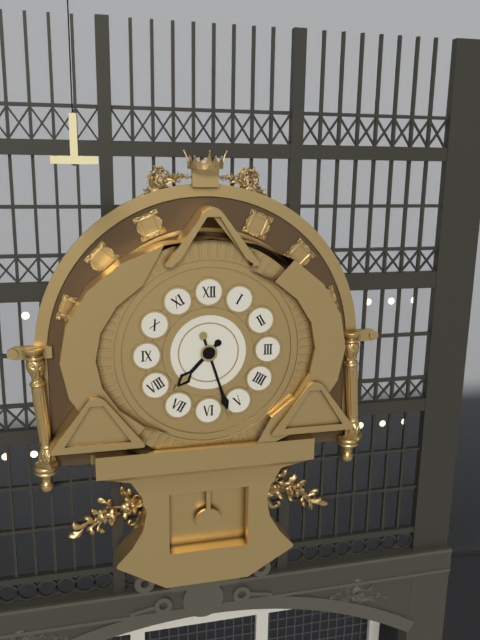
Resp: {"hour": 7, "minute": 27}
